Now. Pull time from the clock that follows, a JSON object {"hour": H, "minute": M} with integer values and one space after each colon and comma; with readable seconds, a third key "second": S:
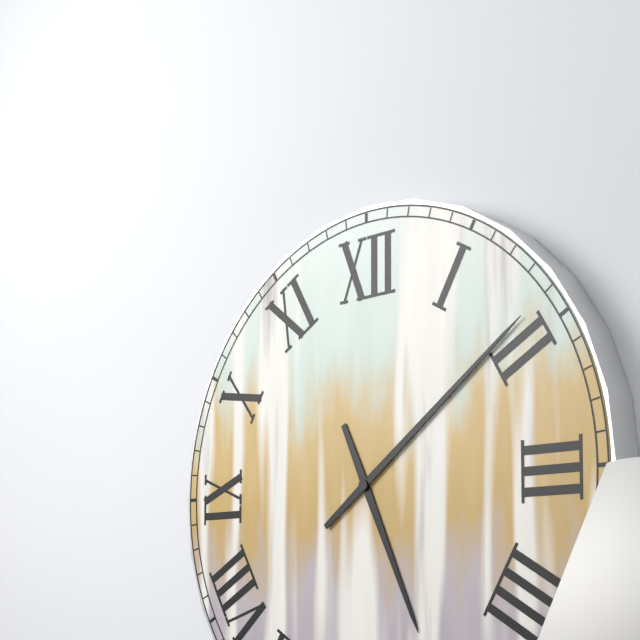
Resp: {"hour": 5, "minute": 9}
